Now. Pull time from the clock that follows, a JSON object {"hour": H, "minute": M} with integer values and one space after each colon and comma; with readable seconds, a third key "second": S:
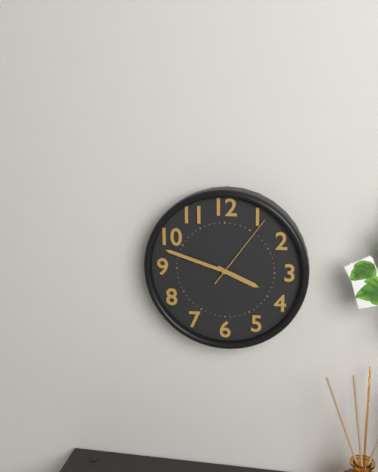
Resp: {"hour": 3, "minute": 48, "second": 6}
